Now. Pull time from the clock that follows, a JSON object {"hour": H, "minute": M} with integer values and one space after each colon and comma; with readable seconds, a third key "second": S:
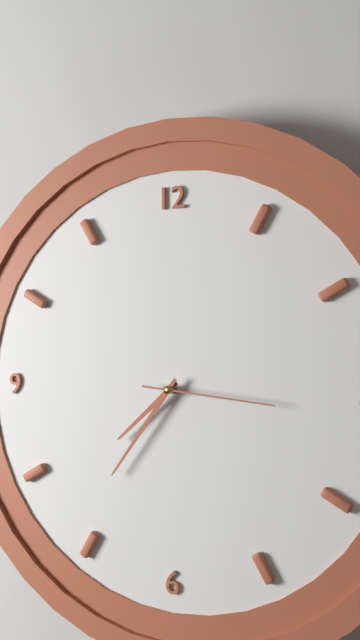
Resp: {"hour": 7, "minute": 36, "second": 16}
